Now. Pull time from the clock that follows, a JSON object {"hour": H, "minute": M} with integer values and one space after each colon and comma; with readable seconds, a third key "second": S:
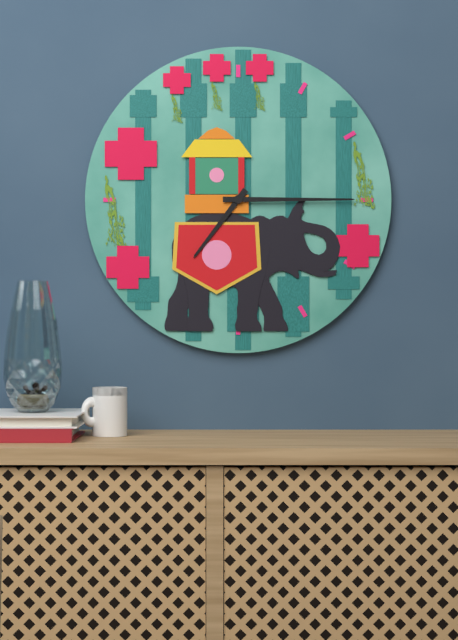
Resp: {"hour": 7, "minute": 15}
